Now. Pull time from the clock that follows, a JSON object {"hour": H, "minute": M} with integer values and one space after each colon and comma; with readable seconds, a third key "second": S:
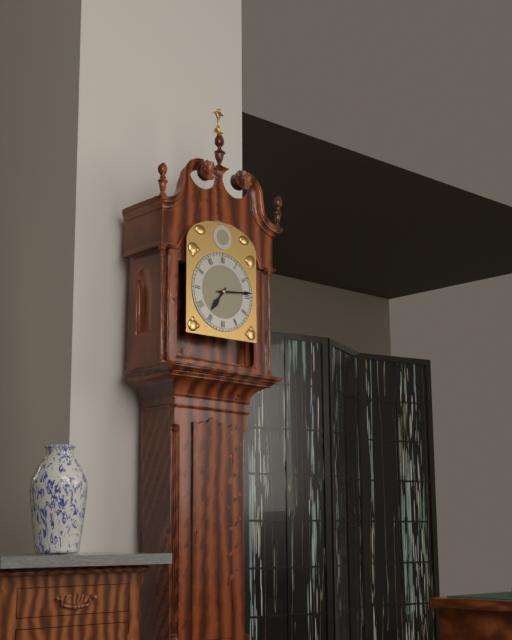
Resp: {"hour": 7, "minute": 14}
